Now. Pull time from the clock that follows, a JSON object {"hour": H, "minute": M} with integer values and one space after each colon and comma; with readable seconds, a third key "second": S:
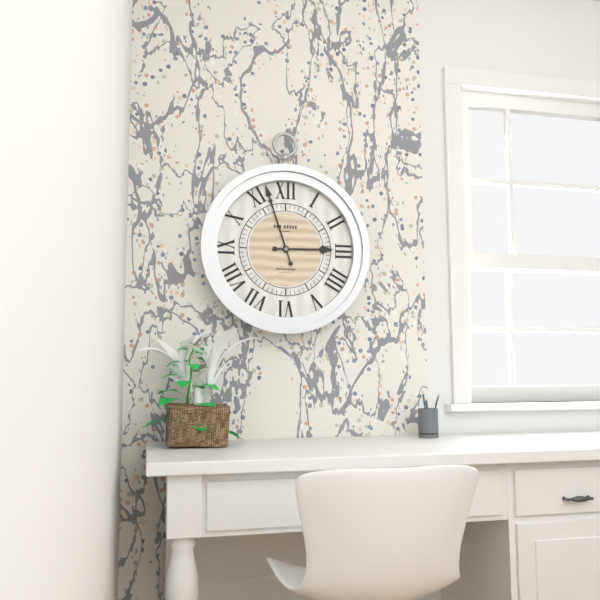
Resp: {"hour": 2, "minute": 57}
